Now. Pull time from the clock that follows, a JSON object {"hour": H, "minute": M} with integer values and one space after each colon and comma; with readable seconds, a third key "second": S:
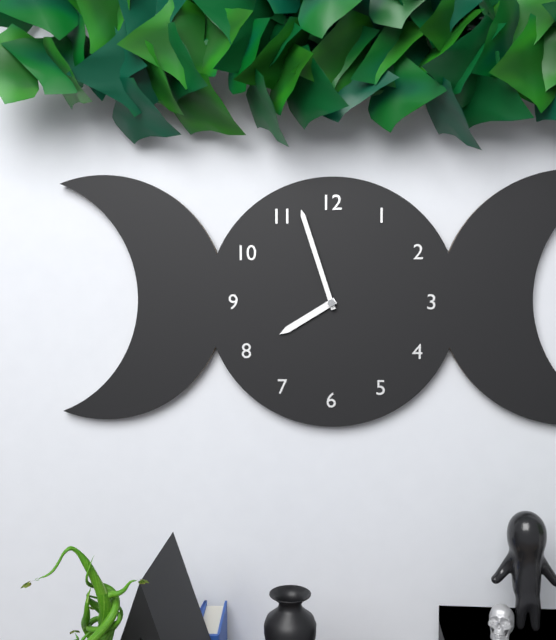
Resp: {"hour": 7, "minute": 57}
